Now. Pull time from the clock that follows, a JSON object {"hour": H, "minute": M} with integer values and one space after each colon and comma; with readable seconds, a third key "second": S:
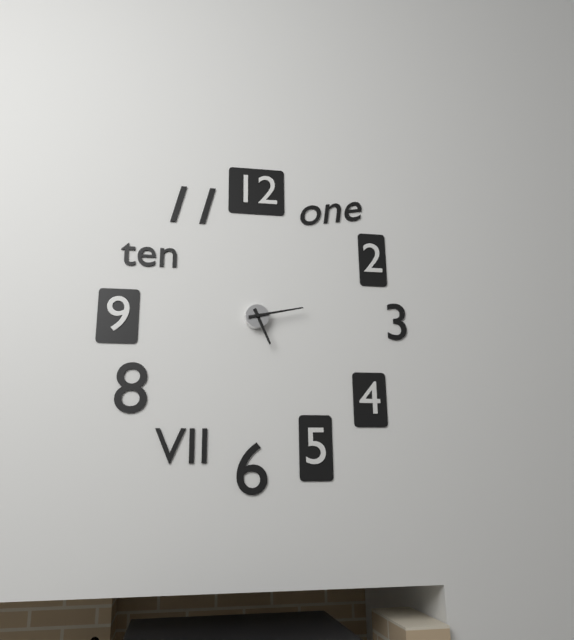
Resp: {"hour": 5, "minute": 13}
